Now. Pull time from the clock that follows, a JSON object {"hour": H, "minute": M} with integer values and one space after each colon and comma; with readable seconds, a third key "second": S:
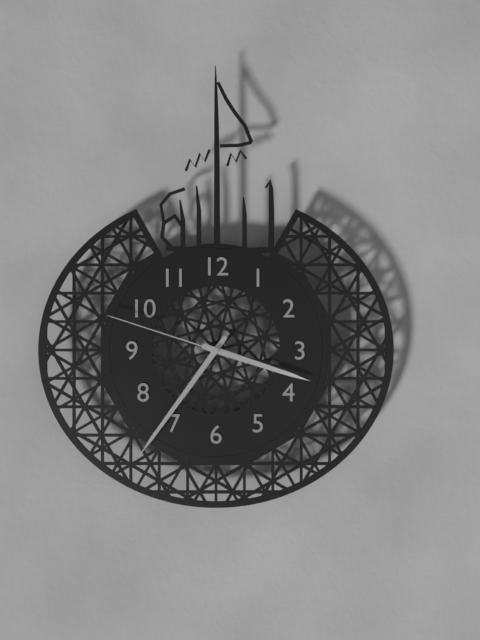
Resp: {"hour": 3, "minute": 36, "second": 48}
